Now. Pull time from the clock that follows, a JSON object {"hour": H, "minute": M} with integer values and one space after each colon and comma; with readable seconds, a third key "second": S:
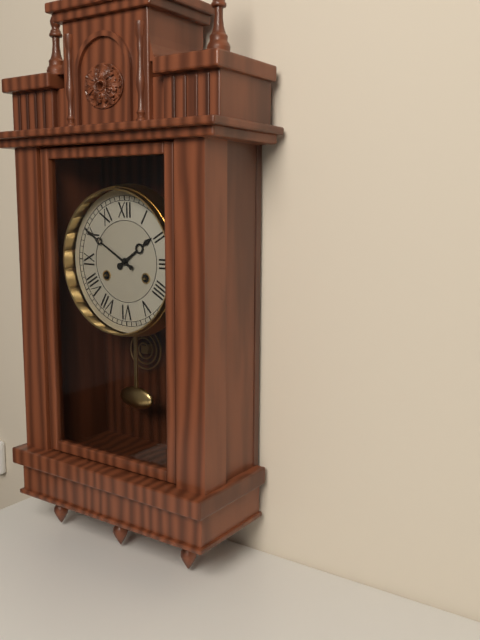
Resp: {"hour": 1, "minute": 50}
